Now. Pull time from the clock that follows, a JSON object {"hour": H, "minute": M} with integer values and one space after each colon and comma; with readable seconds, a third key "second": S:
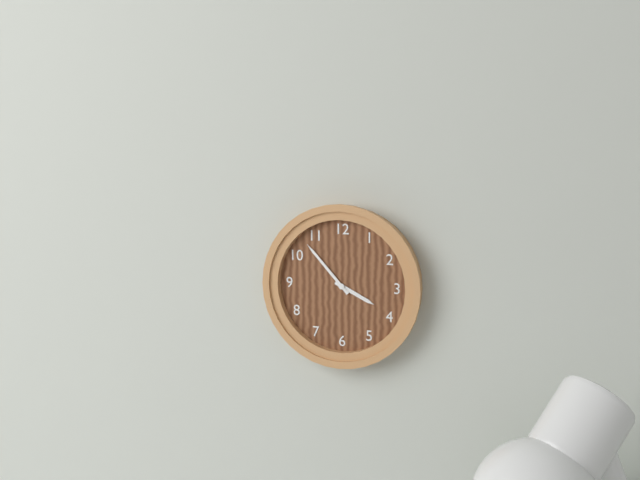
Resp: {"hour": 3, "minute": 53}
